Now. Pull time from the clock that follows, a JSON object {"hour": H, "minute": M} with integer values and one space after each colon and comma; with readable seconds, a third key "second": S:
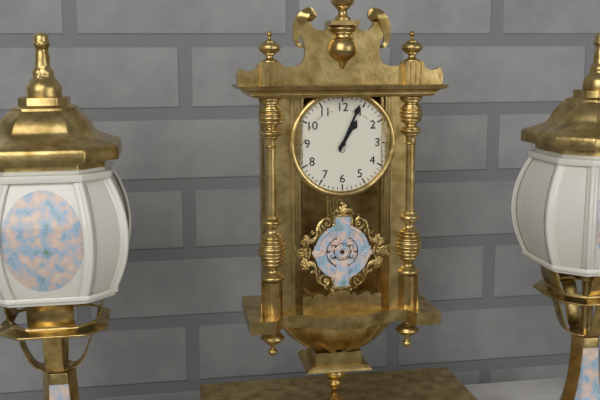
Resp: {"hour": 1, "minute": 4}
